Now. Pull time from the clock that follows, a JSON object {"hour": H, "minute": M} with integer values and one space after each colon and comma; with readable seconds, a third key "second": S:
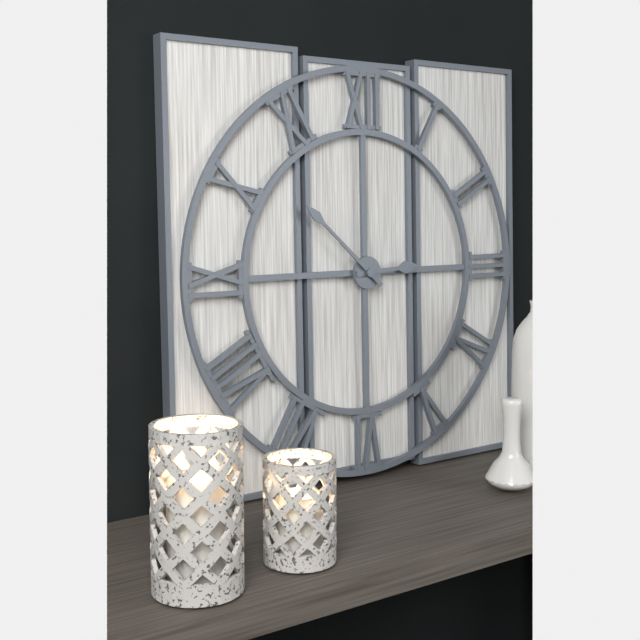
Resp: {"hour": 2, "minute": 52}
